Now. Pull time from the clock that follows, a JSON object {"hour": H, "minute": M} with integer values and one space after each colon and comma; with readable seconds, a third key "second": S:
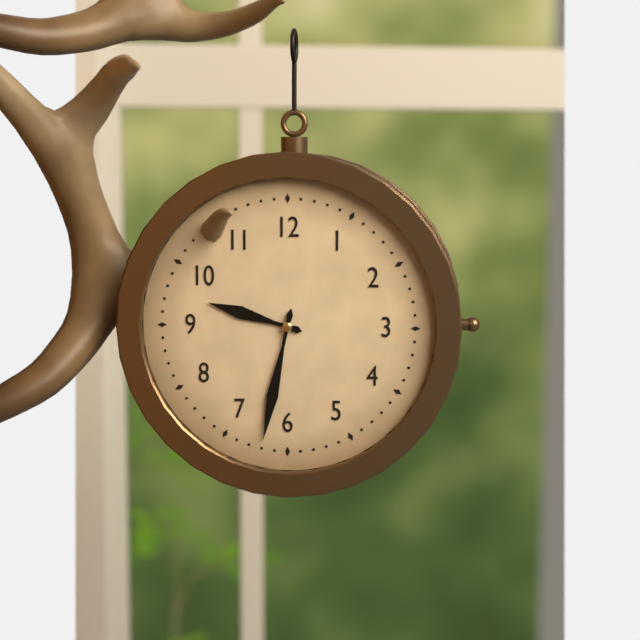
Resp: {"hour": 9, "minute": 32}
